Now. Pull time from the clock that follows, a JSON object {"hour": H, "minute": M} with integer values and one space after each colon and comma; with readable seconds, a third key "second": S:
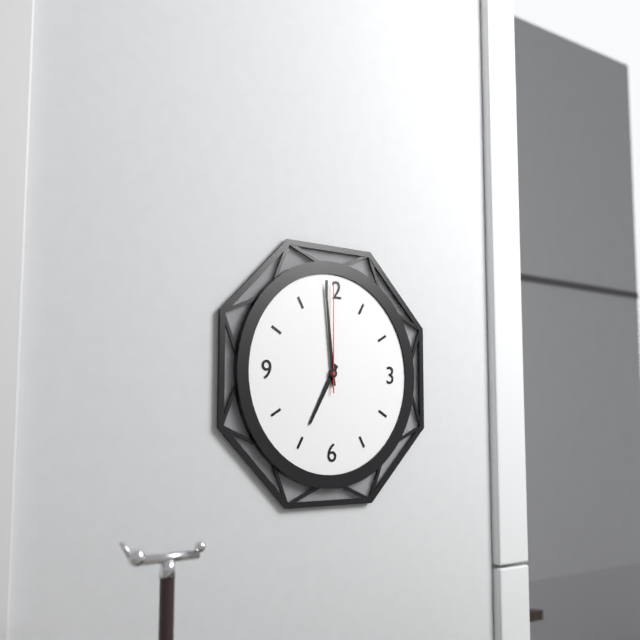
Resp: {"hour": 6, "minute": 59, "second": 0}
